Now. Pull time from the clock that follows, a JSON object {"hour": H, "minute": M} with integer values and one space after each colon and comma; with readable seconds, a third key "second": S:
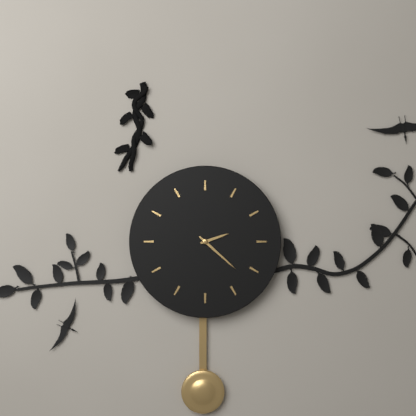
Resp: {"hour": 2, "minute": 22}
